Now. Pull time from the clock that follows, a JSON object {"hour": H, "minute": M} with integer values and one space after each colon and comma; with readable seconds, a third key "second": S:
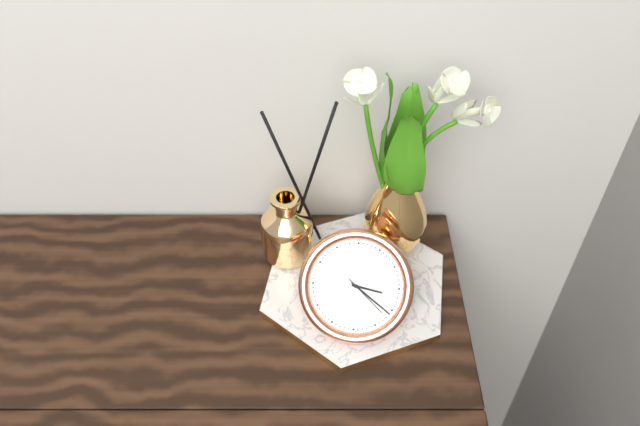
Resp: {"hour": 3, "minute": 21}
